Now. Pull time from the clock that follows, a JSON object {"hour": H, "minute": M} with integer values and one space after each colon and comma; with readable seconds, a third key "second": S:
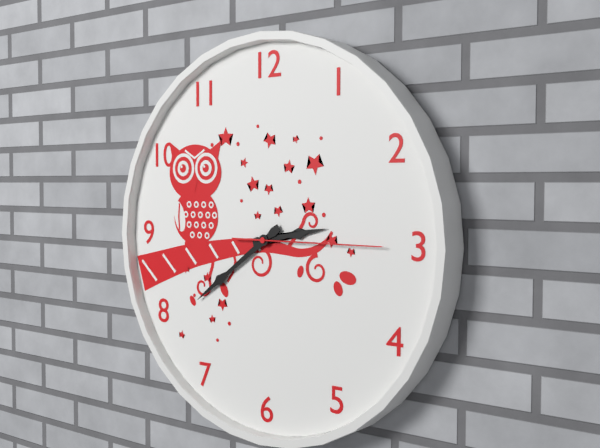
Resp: {"hour": 2, "minute": 39, "second": 15}
